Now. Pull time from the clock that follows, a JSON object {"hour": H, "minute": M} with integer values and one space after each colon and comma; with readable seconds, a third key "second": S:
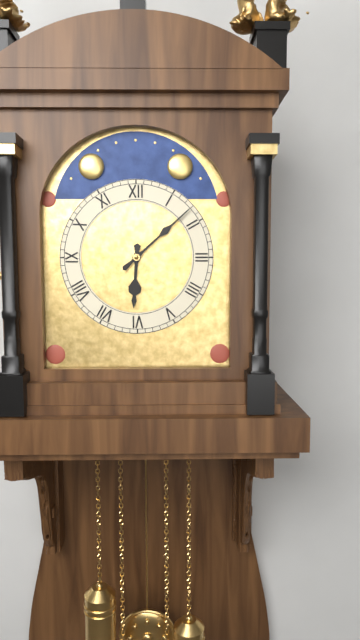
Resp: {"hour": 6, "minute": 8}
